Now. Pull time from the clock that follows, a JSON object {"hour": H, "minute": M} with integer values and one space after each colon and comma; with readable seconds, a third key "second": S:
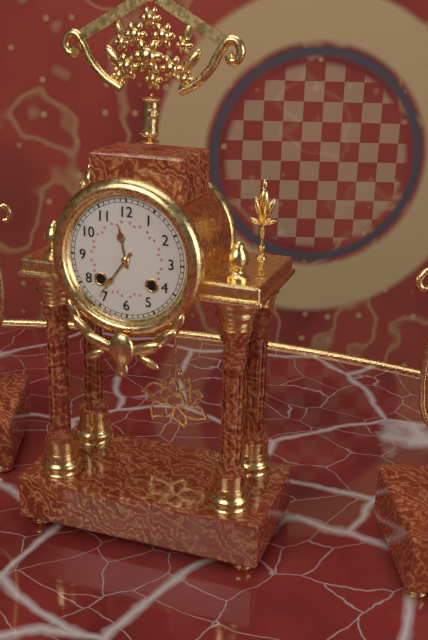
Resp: {"hour": 11, "minute": 36}
